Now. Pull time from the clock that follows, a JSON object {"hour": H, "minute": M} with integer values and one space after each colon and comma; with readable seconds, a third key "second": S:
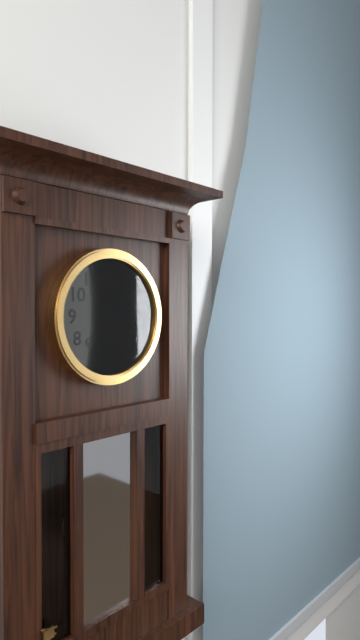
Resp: {"hour": 12, "minute": 21}
